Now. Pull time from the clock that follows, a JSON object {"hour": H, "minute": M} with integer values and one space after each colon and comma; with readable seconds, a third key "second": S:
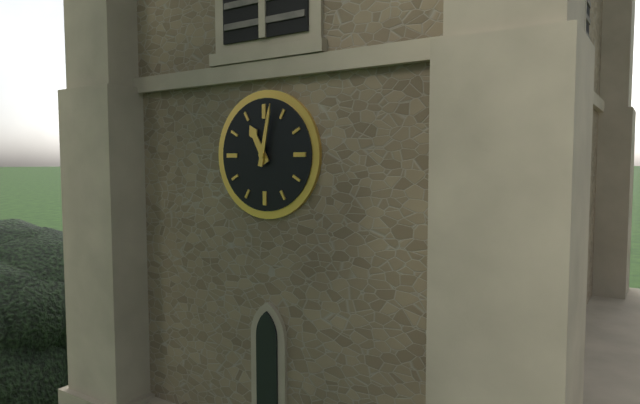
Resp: {"hour": 11, "minute": 2}
